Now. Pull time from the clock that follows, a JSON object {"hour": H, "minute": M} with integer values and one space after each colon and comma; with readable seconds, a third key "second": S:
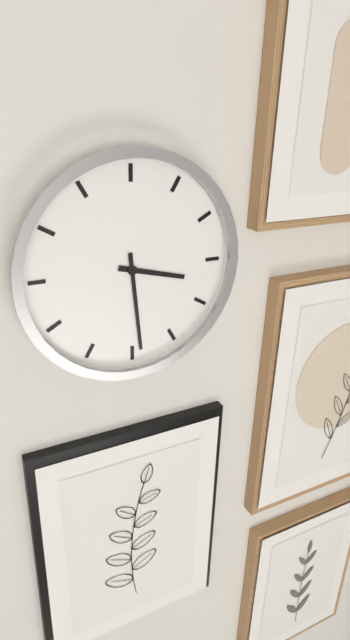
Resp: {"hour": 3, "minute": 29}
